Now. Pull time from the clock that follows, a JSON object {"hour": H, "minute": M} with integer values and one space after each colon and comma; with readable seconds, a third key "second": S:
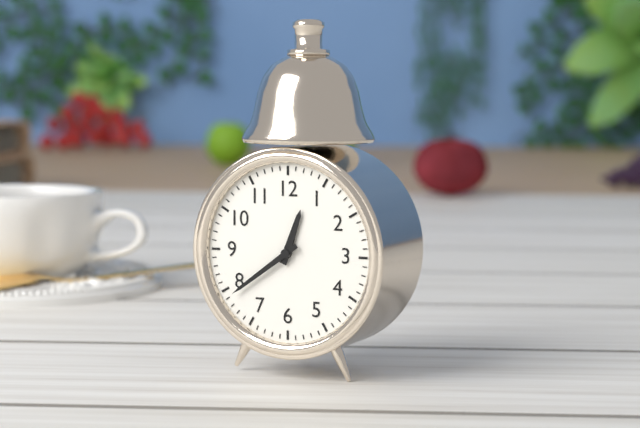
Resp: {"hour": 12, "minute": 39}
